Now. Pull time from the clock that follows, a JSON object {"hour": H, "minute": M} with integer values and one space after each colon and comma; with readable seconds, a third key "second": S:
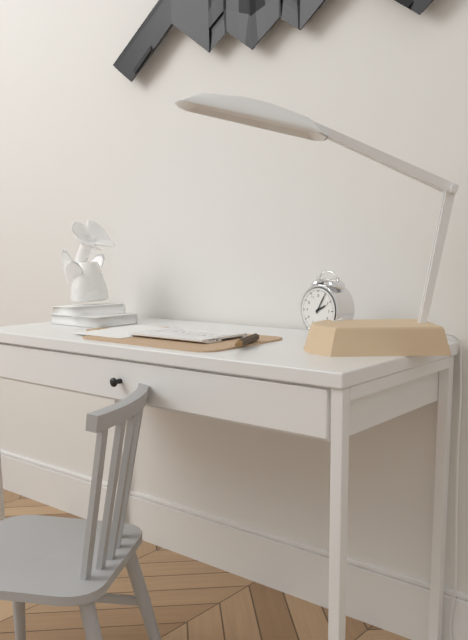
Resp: {"hour": 2, "minute": 5}
